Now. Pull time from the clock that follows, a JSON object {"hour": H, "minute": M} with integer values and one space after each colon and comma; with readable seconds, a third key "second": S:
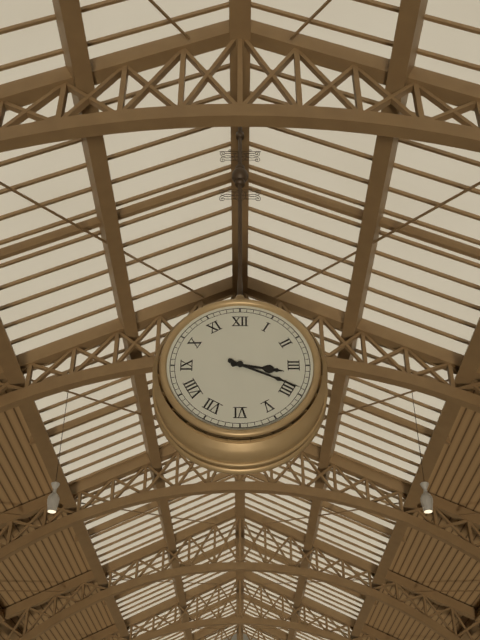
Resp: {"hour": 3, "minute": 19}
